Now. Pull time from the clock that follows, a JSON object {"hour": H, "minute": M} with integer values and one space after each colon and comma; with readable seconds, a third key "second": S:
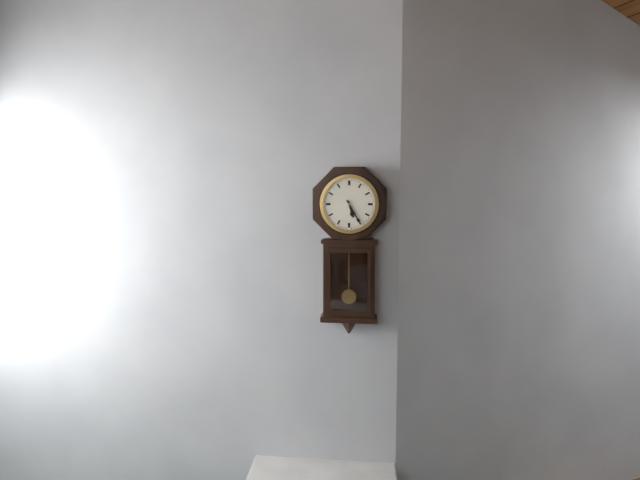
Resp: {"hour": 5, "minute": 25}
